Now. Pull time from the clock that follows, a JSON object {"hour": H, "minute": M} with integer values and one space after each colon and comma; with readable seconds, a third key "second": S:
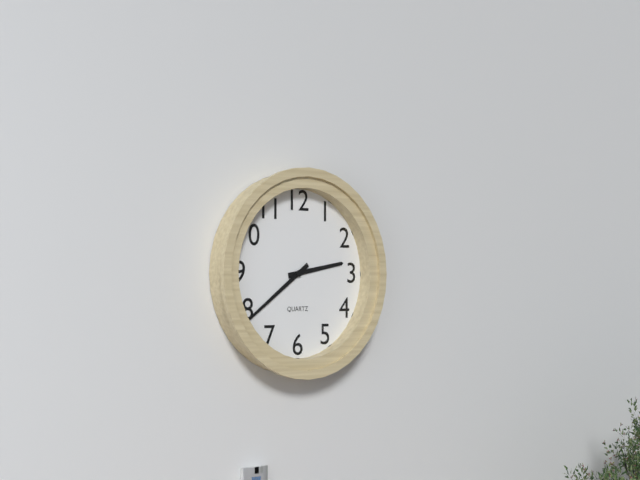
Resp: {"hour": 2, "minute": 39}
